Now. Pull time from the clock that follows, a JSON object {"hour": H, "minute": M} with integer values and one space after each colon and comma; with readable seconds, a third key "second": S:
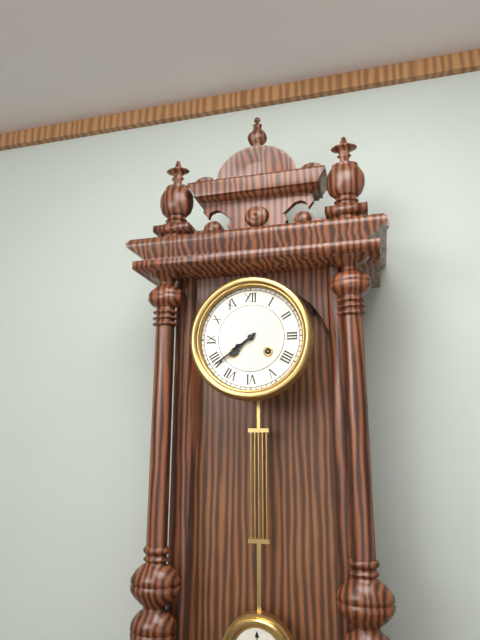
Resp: {"hour": 7, "minute": 39}
